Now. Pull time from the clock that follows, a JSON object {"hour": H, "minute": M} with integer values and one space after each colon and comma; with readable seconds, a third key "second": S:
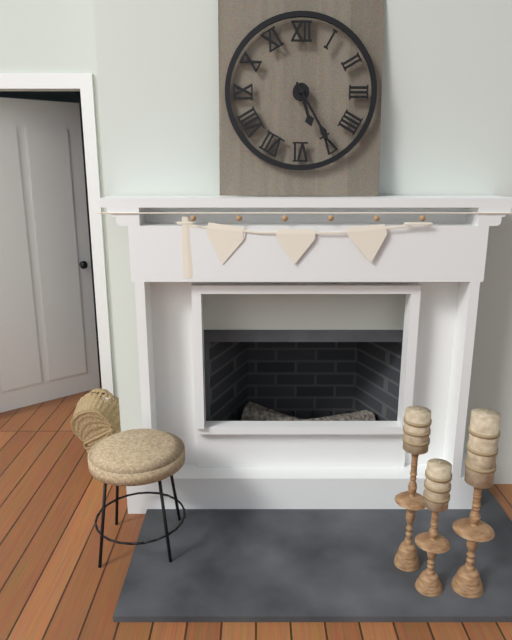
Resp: {"hour": 5, "minute": 25}
